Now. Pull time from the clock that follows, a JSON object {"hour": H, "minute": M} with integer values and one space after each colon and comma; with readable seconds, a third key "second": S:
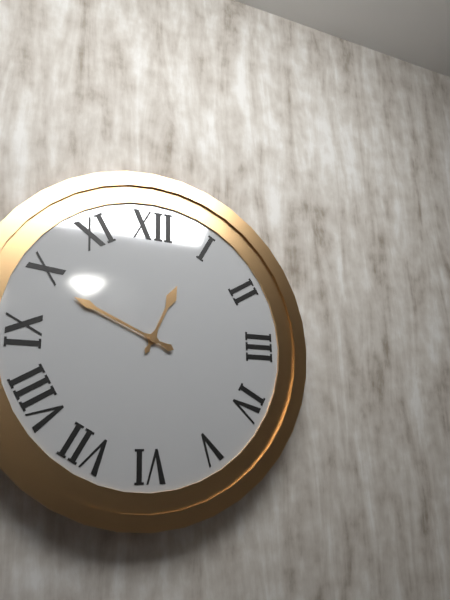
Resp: {"hour": 12, "minute": 49}
